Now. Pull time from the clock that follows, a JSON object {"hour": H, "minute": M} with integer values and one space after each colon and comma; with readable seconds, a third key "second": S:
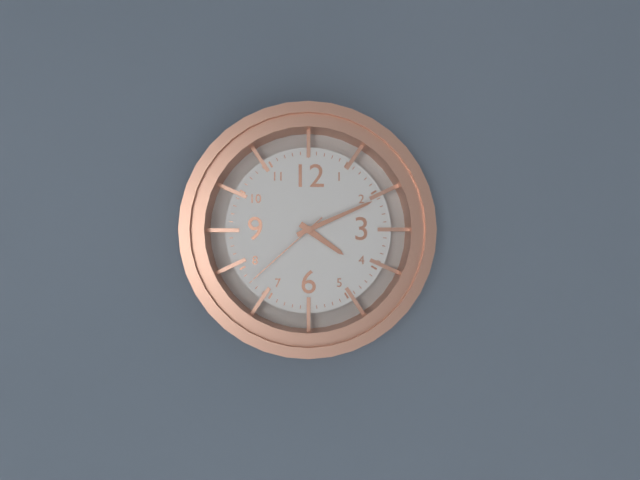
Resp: {"hour": 4, "minute": 11, "second": 38}
